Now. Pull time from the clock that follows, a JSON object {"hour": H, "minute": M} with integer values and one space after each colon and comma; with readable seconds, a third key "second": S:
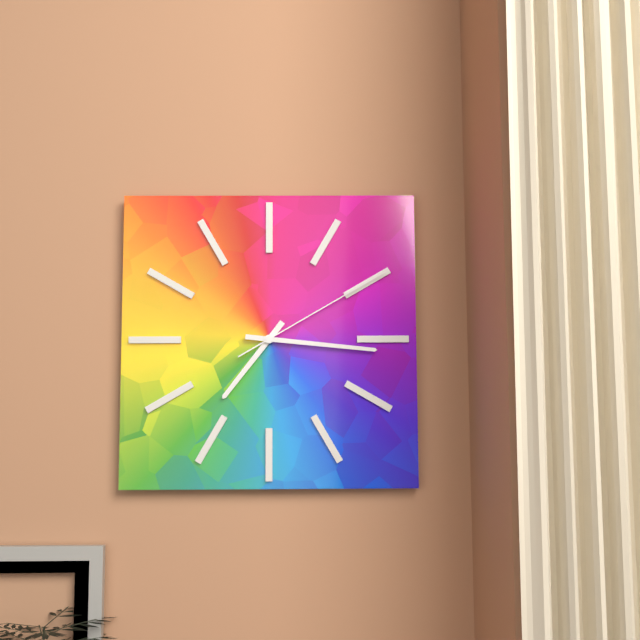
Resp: {"hour": 7, "minute": 16, "second": 10}
